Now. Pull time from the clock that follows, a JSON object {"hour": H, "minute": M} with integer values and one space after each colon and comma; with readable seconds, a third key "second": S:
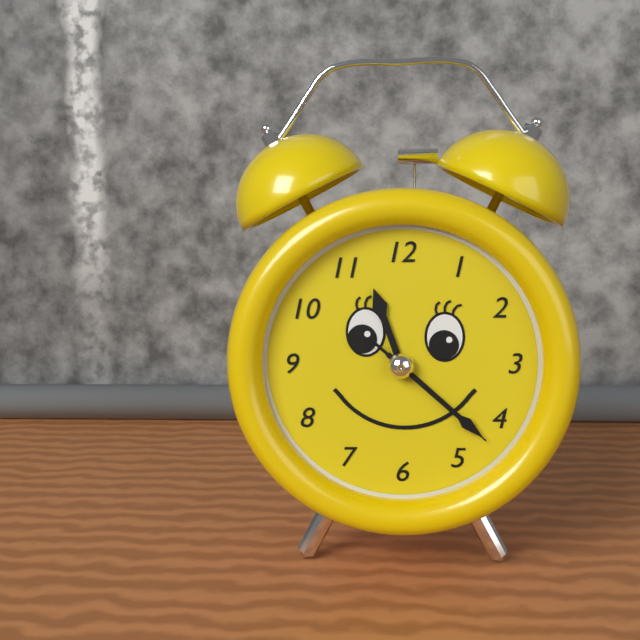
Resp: {"hour": 11, "minute": 22, "second": 22}
